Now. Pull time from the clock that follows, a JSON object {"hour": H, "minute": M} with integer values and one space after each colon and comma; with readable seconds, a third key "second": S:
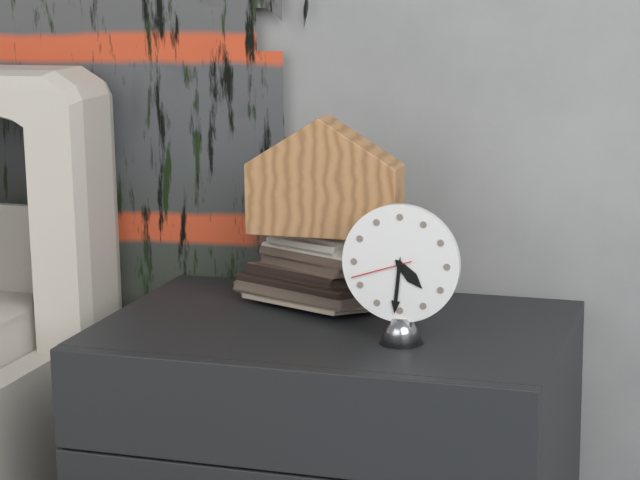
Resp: {"hour": 4, "minute": 31, "second": 42}
